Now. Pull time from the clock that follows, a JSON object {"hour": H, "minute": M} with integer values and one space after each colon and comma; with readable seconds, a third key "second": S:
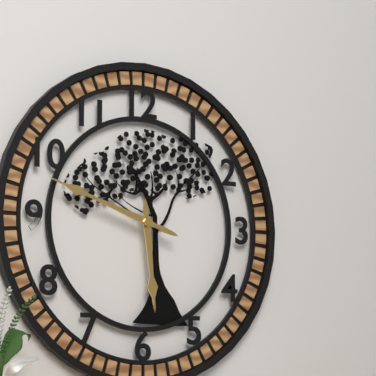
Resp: {"hour": 5, "minute": 48}
